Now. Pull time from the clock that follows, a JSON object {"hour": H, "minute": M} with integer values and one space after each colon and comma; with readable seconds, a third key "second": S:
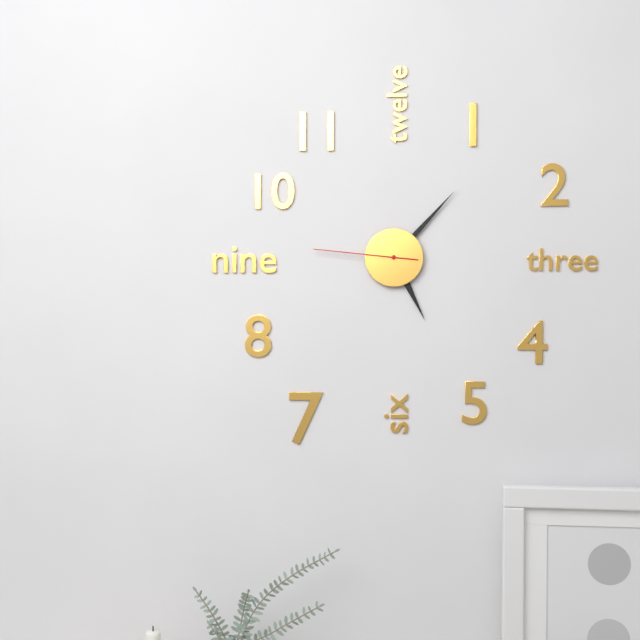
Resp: {"hour": 5, "minute": 7, "second": 46}
